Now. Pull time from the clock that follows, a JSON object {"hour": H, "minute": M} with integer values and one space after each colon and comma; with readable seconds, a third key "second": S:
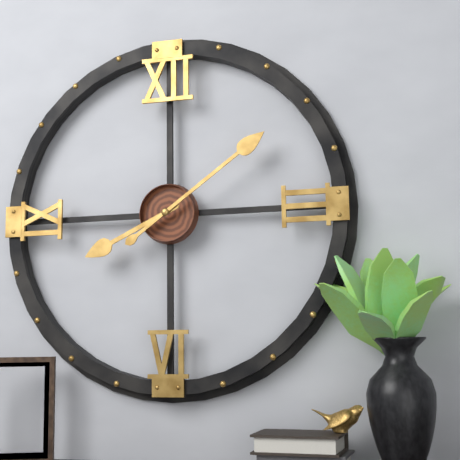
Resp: {"hour": 8, "minute": 9}
